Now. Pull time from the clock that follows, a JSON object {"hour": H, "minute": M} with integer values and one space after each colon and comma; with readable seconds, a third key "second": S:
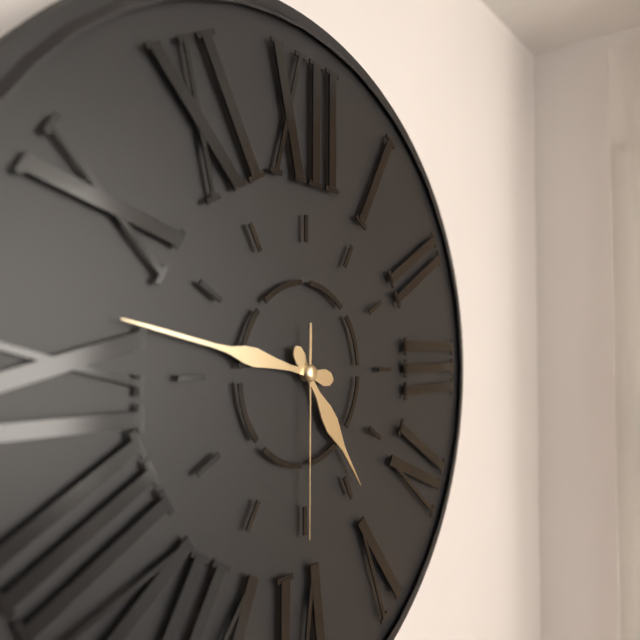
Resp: {"hour": 4, "minute": 47, "second": 30}
